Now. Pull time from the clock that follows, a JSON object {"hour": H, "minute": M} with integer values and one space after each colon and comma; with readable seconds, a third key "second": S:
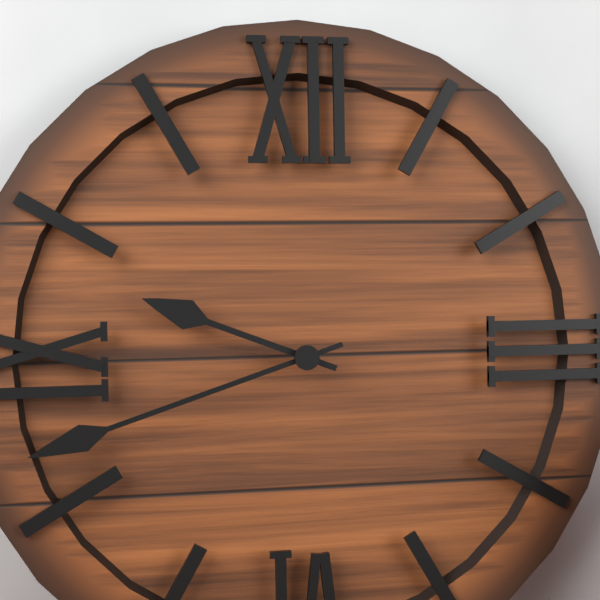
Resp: {"hour": 9, "minute": 42}
